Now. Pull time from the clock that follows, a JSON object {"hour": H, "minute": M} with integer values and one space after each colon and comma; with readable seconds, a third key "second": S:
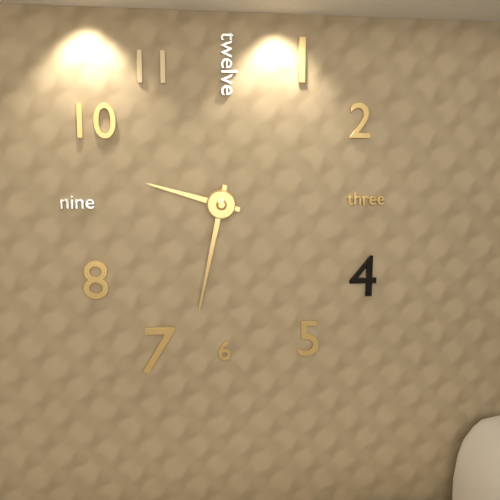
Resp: {"hour": 9, "minute": 32}
